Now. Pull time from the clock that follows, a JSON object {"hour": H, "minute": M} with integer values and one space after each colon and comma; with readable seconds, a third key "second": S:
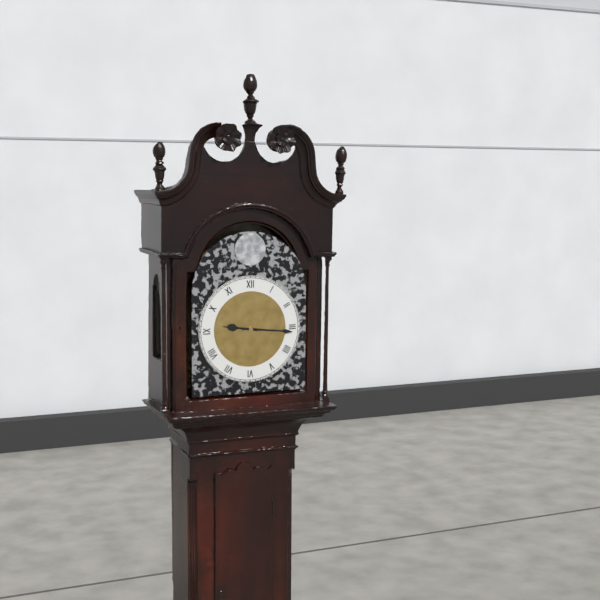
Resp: {"hour": 9, "minute": 16}
